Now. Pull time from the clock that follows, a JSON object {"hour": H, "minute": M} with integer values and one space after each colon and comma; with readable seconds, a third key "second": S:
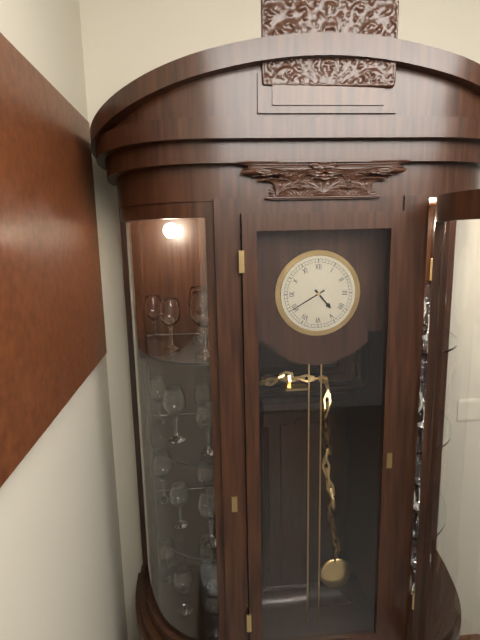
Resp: {"hour": 4, "minute": 40}
